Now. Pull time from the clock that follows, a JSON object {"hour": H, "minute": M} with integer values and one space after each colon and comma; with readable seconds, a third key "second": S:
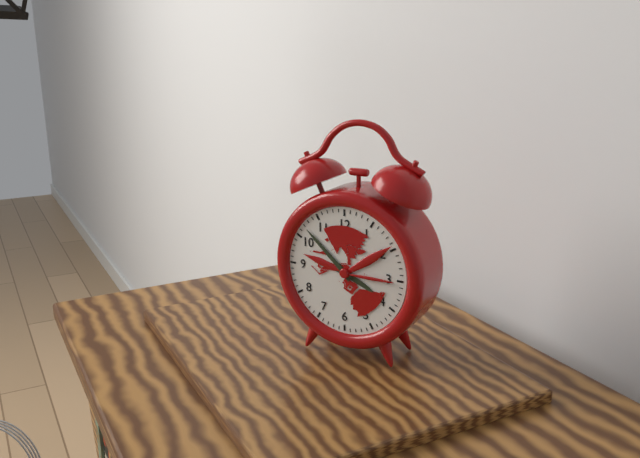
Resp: {"hour": 3, "minute": 52}
